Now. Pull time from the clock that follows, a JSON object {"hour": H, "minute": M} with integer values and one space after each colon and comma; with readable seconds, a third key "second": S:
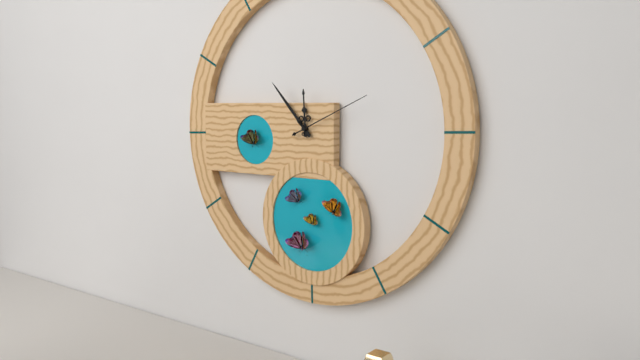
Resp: {"hour": 11, "minute": 53, "second": 11}
